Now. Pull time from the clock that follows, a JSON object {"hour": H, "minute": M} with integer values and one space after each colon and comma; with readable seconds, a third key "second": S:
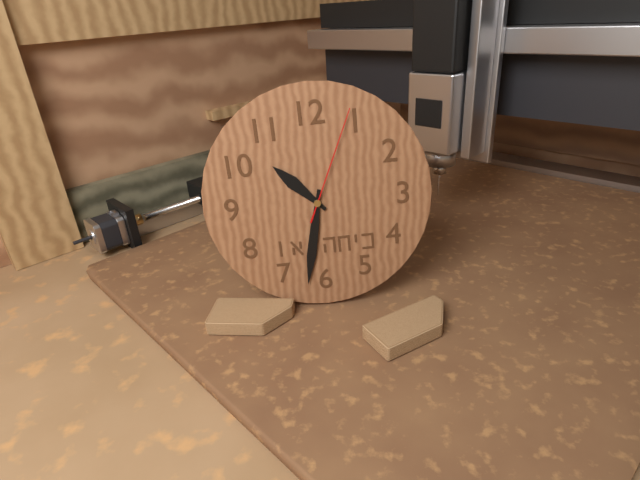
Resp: {"hour": 10, "minute": 32, "second": 4}
